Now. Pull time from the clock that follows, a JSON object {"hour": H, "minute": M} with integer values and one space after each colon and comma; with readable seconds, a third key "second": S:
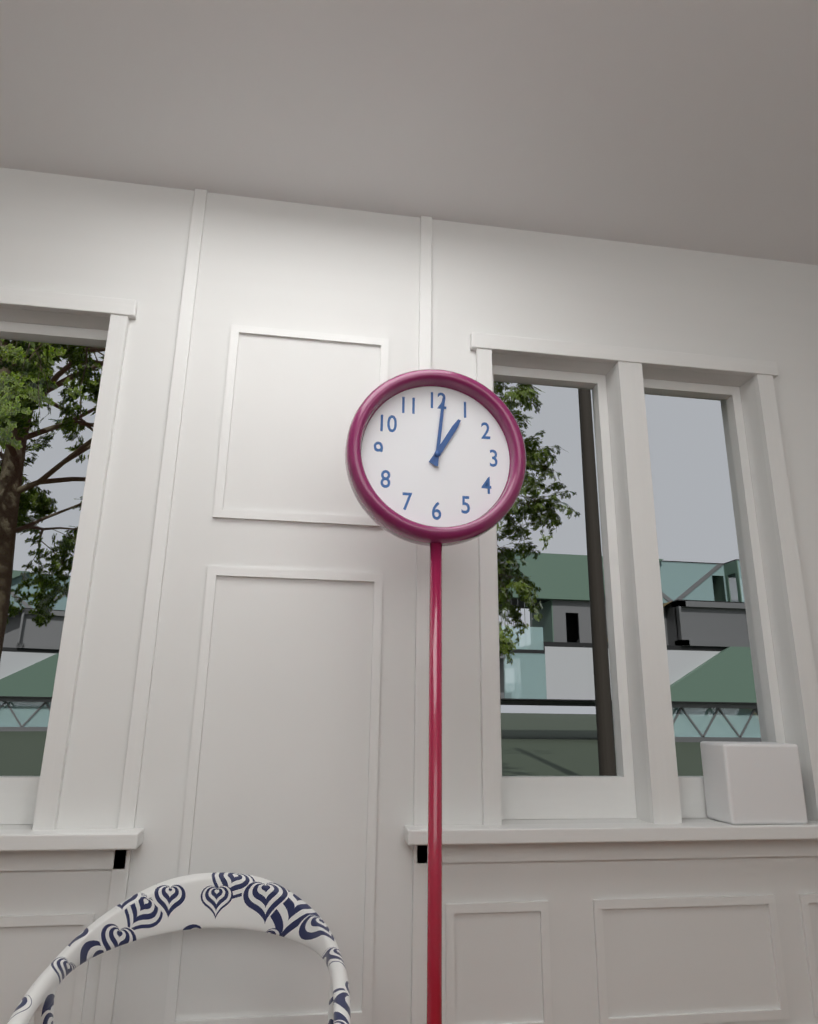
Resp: {"hour": 1, "minute": 1}
